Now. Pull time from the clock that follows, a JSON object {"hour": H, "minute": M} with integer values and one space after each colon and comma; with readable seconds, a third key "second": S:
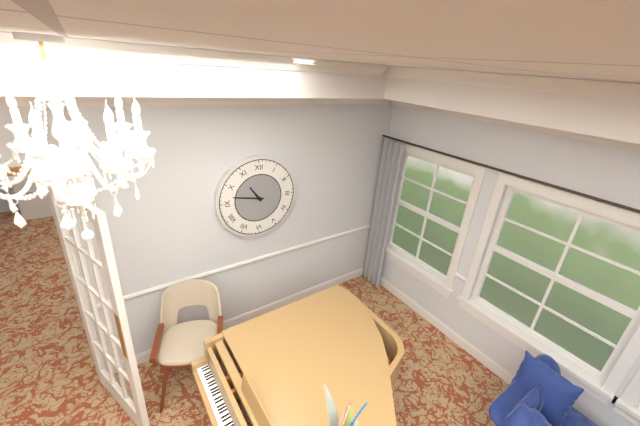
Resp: {"hour": 10, "minute": 47}
